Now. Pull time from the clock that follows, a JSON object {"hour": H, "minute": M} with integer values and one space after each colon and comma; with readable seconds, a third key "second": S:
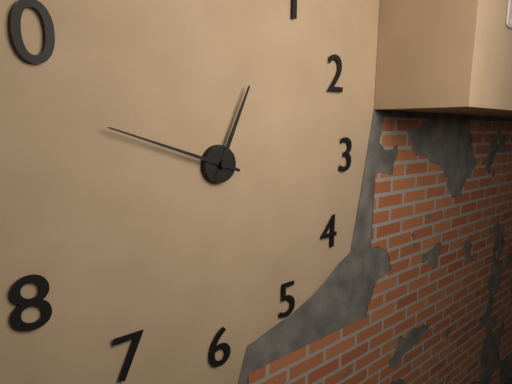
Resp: {"hour": 12, "minute": 48}
